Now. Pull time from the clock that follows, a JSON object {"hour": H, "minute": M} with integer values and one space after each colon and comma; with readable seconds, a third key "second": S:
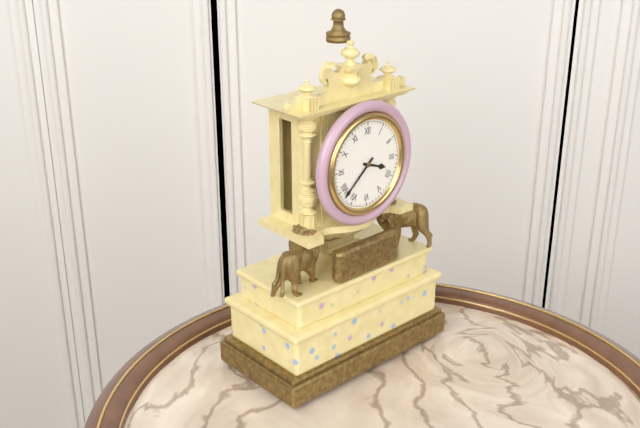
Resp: {"hour": 3, "minute": 38}
